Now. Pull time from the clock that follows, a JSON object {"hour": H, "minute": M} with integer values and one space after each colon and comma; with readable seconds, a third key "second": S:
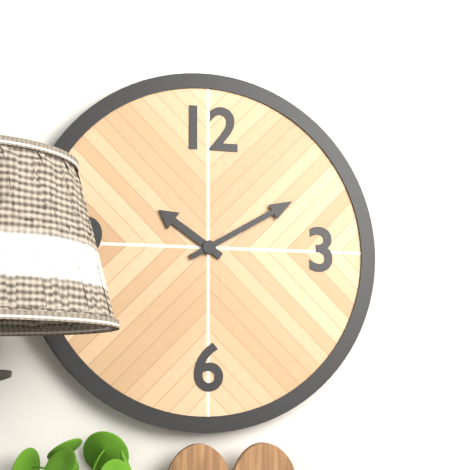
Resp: {"hour": 10, "minute": 10}
